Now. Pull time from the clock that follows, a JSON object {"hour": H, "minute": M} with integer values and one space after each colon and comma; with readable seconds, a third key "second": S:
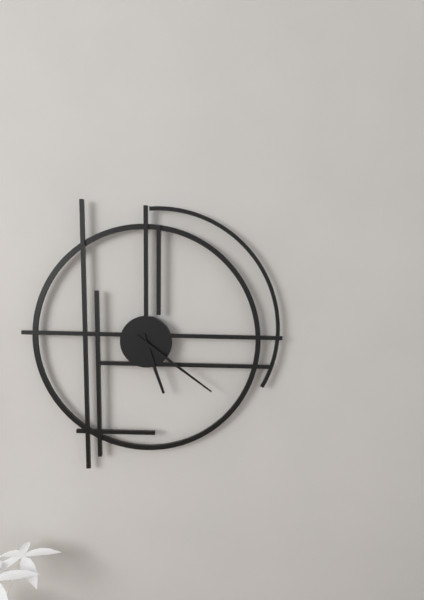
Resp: {"hour": 5, "minute": 21}
